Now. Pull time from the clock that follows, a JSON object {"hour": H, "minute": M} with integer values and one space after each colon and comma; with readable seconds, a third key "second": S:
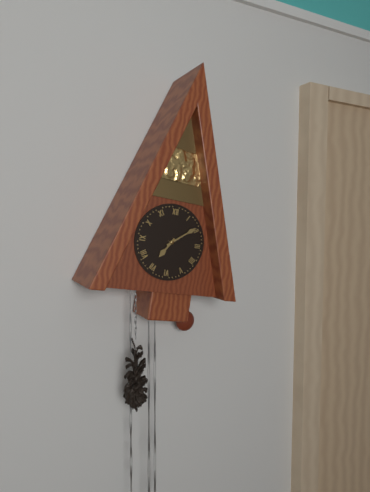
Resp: {"hour": 7, "minute": 9}
